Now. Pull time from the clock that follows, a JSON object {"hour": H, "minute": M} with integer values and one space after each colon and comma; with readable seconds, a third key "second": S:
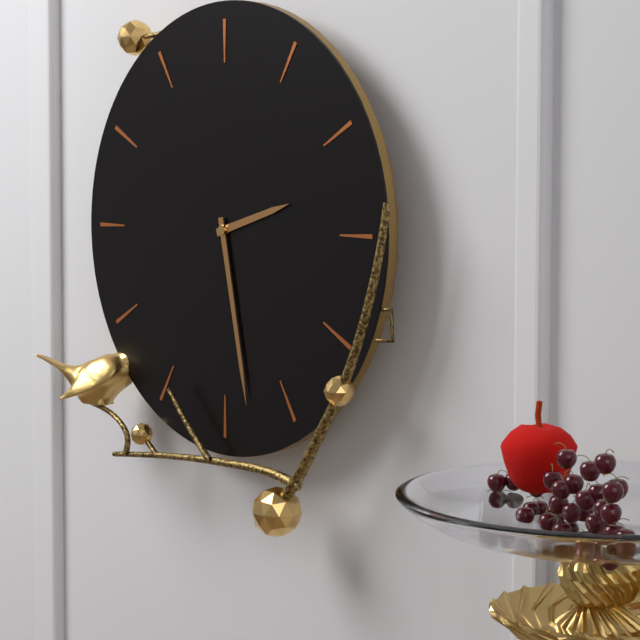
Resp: {"hour": 2, "minute": 28}
